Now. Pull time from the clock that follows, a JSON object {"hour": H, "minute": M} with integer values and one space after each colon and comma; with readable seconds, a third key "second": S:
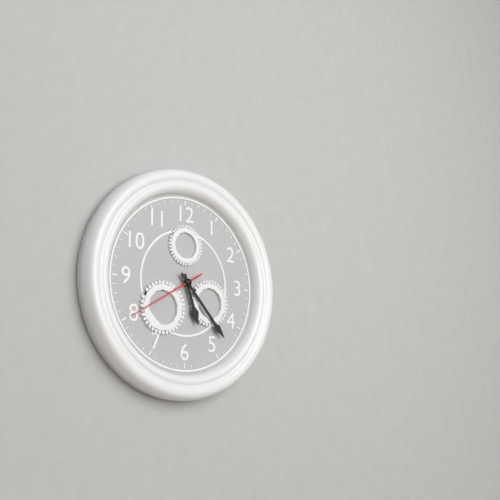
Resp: {"hour": 5, "minute": 23, "second": 40}
